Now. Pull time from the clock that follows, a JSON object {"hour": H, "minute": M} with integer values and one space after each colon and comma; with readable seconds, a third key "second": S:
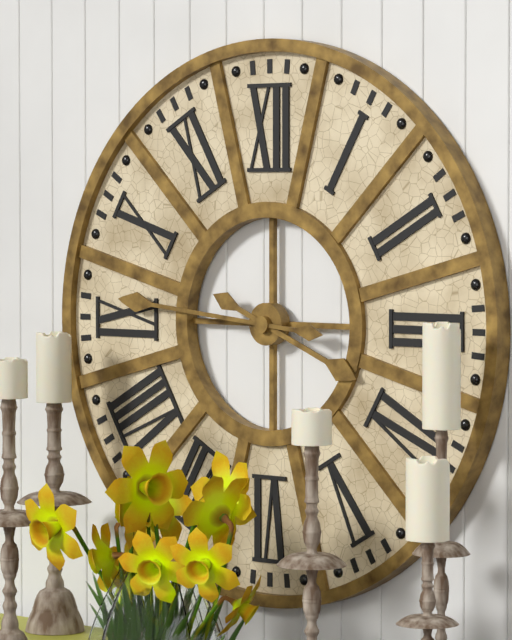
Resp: {"hour": 3, "minute": 46}
